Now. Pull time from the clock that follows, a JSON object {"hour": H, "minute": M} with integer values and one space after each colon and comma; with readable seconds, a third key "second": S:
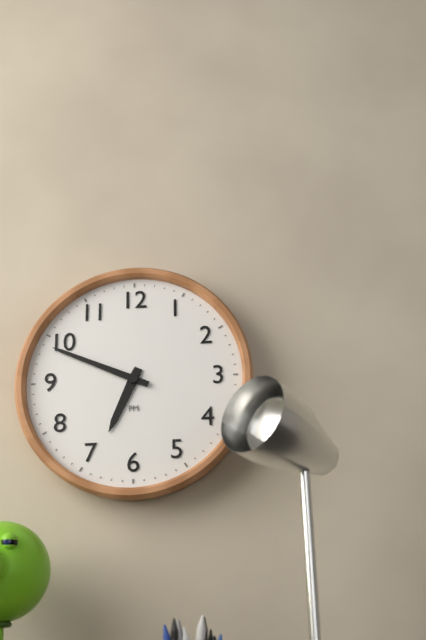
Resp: {"hour": 6, "minute": 49}
